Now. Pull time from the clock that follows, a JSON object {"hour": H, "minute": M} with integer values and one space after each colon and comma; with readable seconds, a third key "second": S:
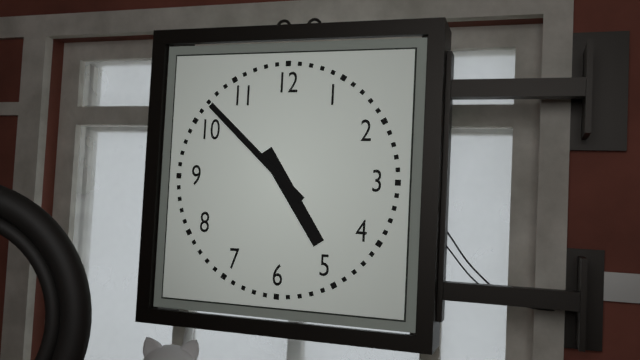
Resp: {"hour": 4, "minute": 52}
